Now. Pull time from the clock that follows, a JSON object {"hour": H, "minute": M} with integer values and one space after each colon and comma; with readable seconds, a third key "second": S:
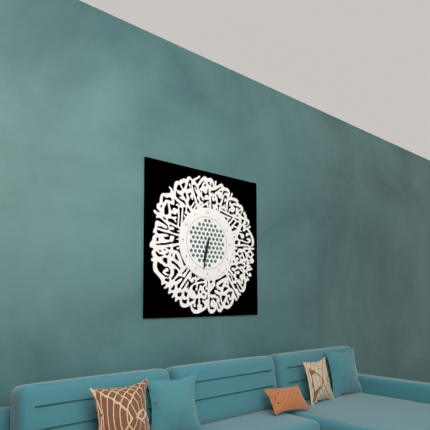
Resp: {"hour": 6, "minute": 32}
